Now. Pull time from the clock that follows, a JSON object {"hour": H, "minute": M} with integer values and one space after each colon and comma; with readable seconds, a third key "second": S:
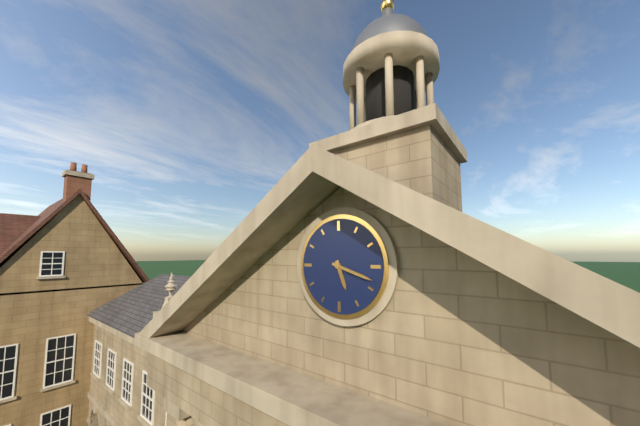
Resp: {"hour": 5, "minute": 18}
